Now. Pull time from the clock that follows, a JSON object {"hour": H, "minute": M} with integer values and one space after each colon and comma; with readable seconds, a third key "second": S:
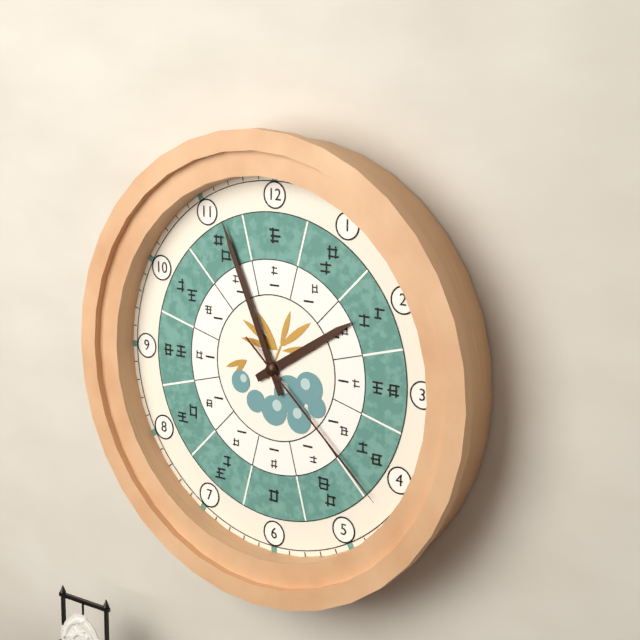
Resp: {"hour": 1, "minute": 56, "second": 22}
